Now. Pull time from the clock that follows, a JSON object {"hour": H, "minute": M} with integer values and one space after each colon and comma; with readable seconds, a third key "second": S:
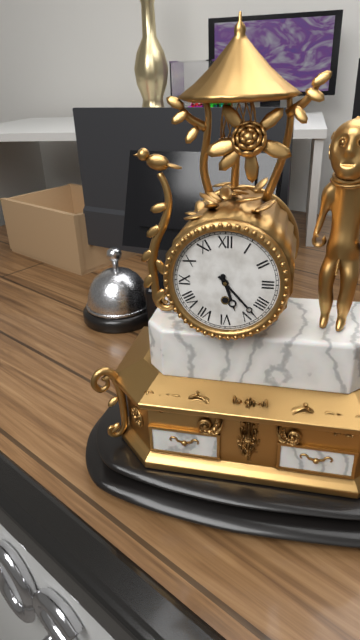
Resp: {"hour": 5, "minute": 23}
